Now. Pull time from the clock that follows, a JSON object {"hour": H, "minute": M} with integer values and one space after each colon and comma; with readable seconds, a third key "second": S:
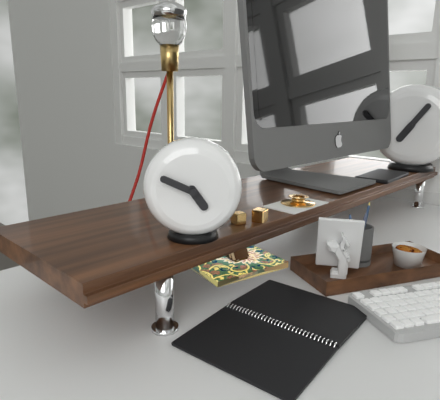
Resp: {"hour": 4, "minute": 49}
